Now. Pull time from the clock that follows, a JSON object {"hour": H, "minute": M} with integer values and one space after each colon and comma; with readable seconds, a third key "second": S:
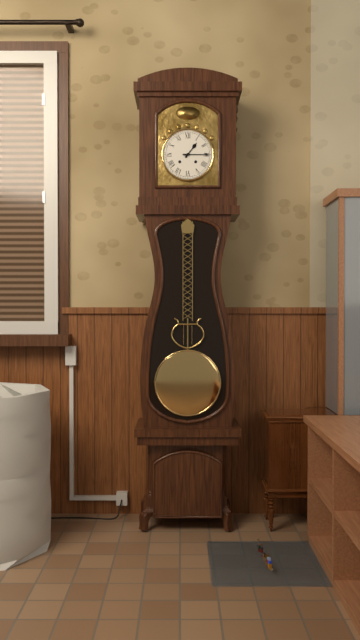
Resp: {"hour": 1, "minute": 15}
